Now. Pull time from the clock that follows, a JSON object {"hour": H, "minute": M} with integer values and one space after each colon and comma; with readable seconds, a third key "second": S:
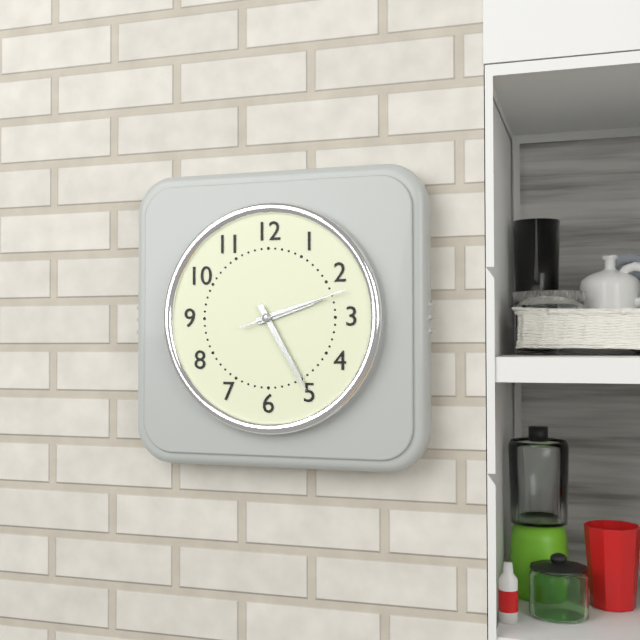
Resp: {"hour": 2, "minute": 25, "second": 12}
